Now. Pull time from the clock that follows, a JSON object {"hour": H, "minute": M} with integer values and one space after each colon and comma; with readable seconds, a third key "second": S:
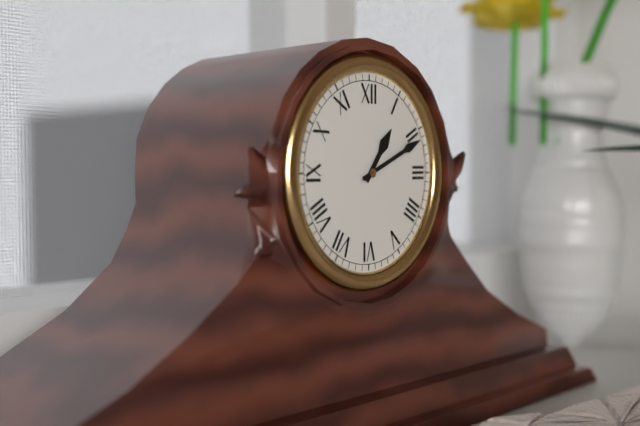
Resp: {"hour": 1, "minute": 11}
